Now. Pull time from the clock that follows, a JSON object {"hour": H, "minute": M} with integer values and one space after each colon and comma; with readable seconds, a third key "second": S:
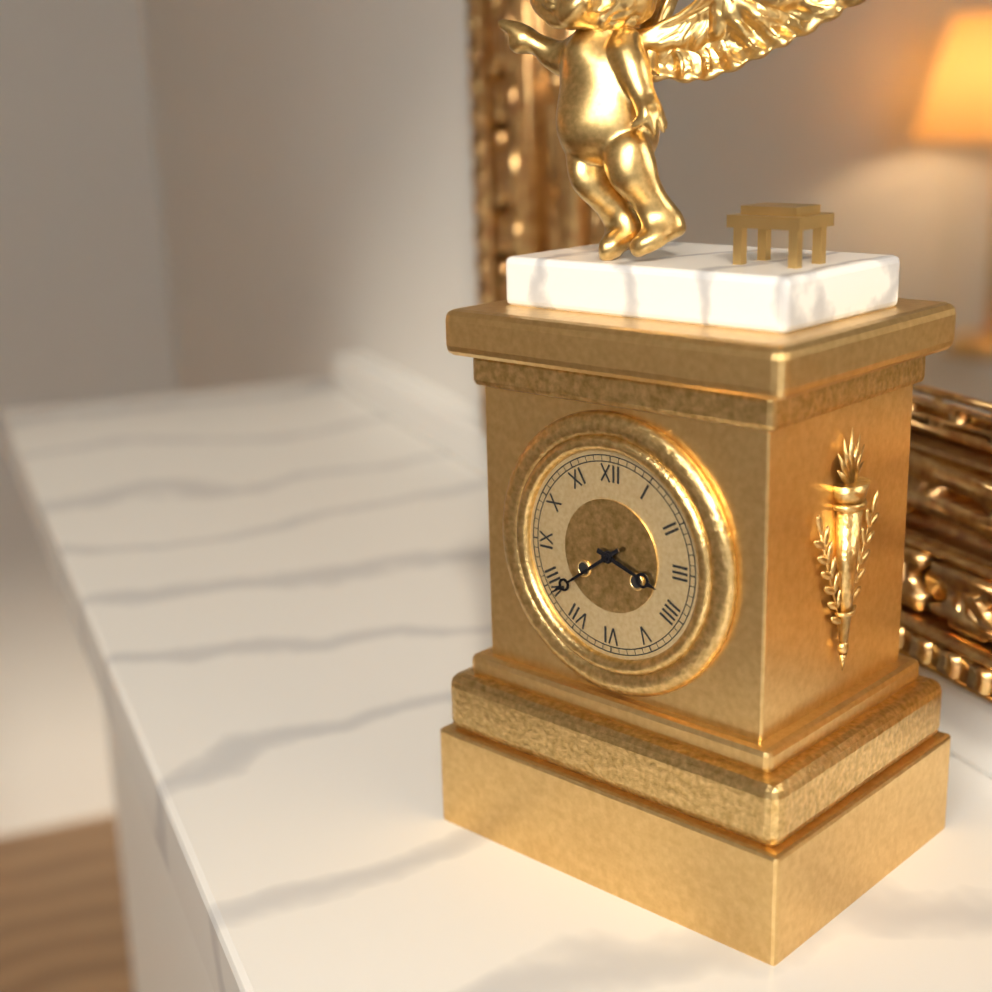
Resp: {"hour": 3, "minute": 39}
